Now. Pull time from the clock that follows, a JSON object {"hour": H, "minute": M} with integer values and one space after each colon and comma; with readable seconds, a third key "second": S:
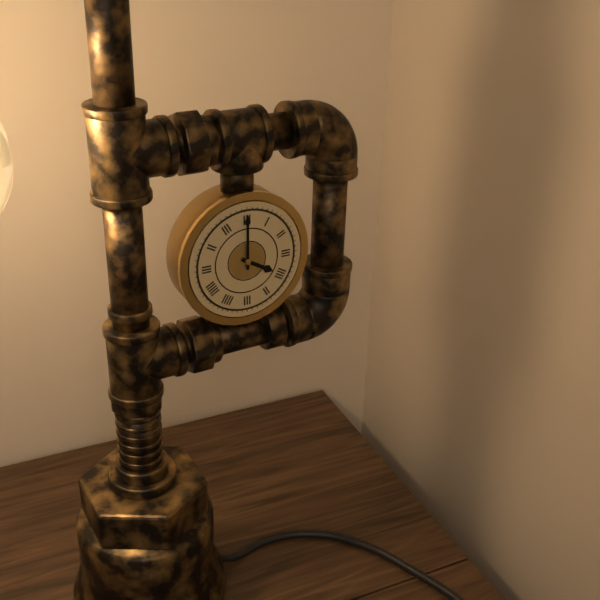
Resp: {"hour": 4, "minute": 0}
